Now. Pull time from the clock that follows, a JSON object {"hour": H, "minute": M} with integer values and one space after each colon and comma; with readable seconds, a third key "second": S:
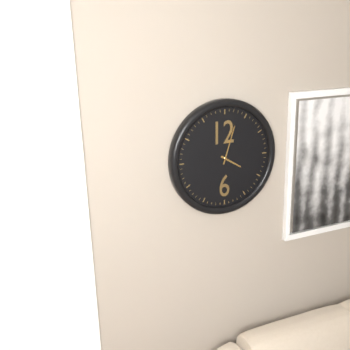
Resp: {"hour": 4, "minute": 3}
